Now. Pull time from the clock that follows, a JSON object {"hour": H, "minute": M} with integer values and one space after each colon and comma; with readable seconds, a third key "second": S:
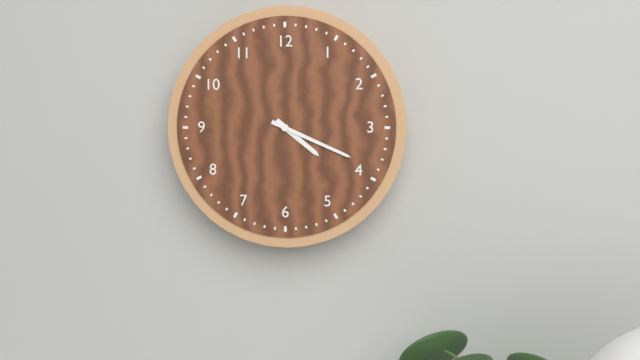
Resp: {"hour": 4, "minute": 19}
